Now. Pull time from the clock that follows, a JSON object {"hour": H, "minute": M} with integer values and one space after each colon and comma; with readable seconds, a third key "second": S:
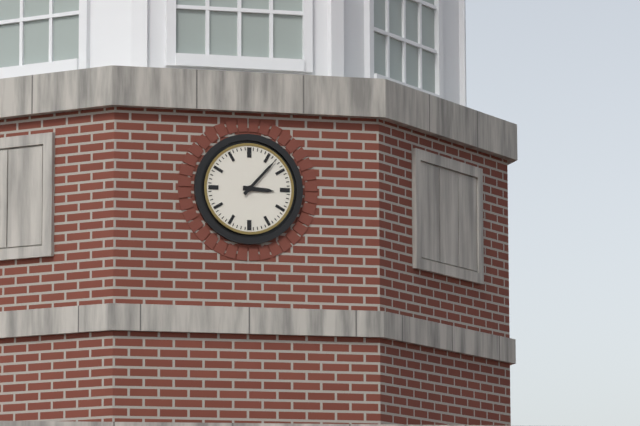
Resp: {"hour": 3, "minute": 7}
